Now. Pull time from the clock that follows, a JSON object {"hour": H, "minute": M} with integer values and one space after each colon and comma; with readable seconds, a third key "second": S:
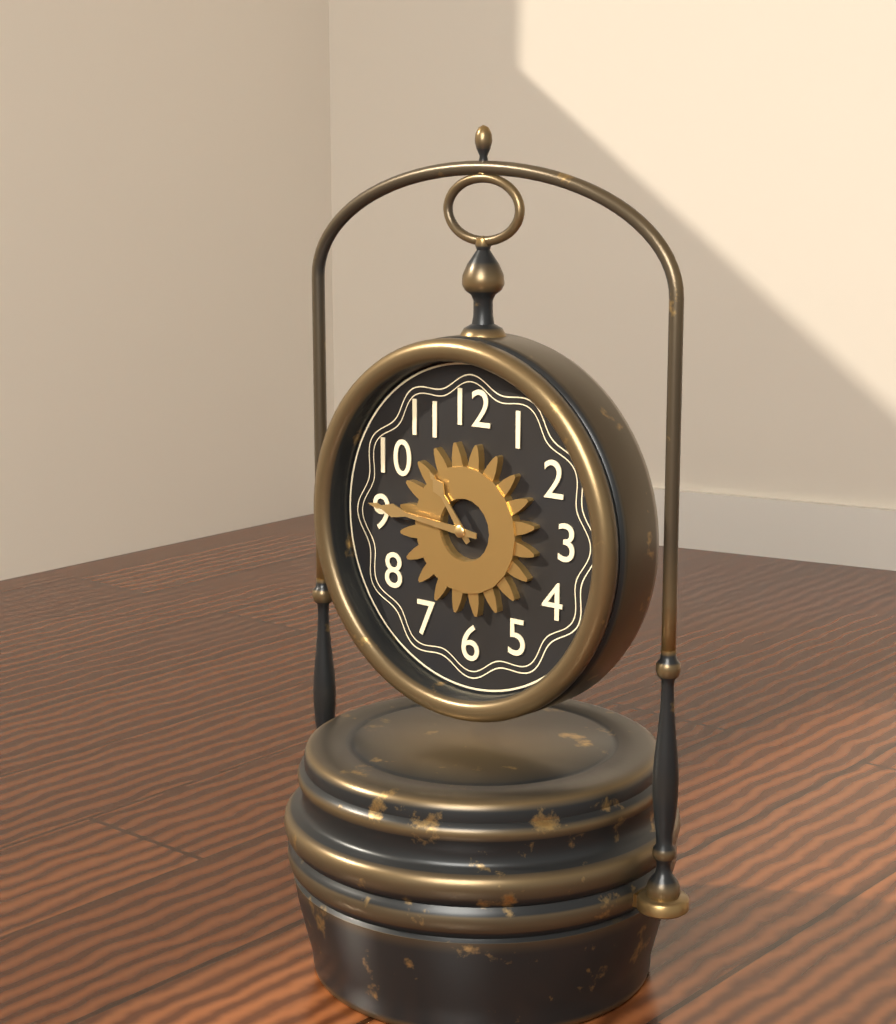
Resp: {"hour": 10, "minute": 46}
